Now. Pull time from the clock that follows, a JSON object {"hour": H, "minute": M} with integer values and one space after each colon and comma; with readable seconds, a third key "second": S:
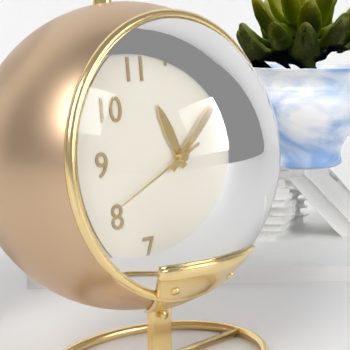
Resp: {"hour": 11, "minute": 8, "second": 41}
